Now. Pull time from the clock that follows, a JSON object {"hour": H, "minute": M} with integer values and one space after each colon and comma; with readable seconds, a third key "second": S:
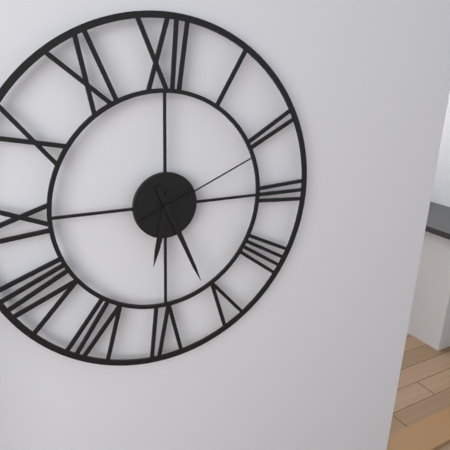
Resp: {"hour": 6, "minute": 26, "second": 11}
